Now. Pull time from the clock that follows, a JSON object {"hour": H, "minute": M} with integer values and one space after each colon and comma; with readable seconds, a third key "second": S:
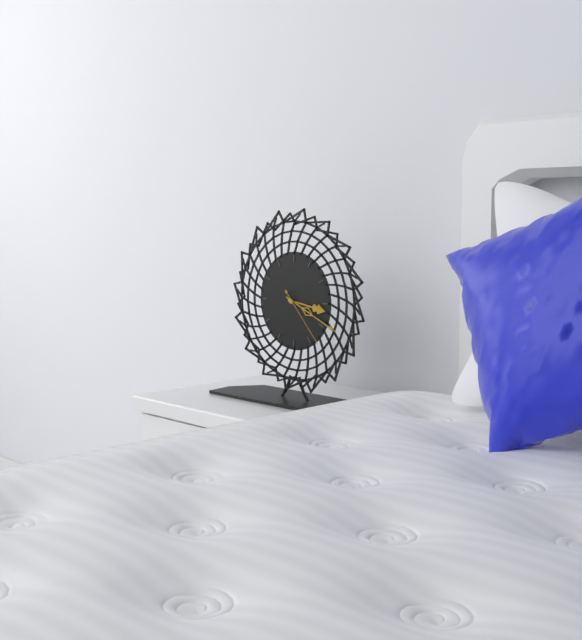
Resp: {"hour": 3, "minute": 19, "second": 23}
